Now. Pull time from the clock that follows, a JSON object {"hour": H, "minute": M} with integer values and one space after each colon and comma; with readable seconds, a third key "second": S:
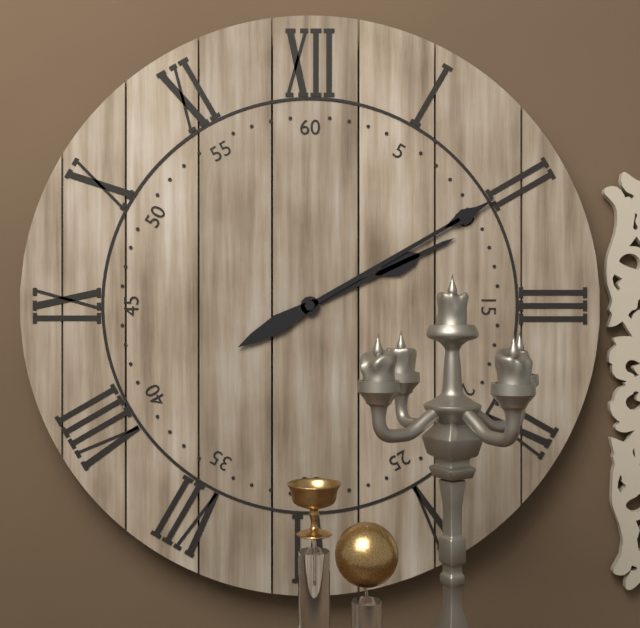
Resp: {"hour": 2, "minute": 10}
